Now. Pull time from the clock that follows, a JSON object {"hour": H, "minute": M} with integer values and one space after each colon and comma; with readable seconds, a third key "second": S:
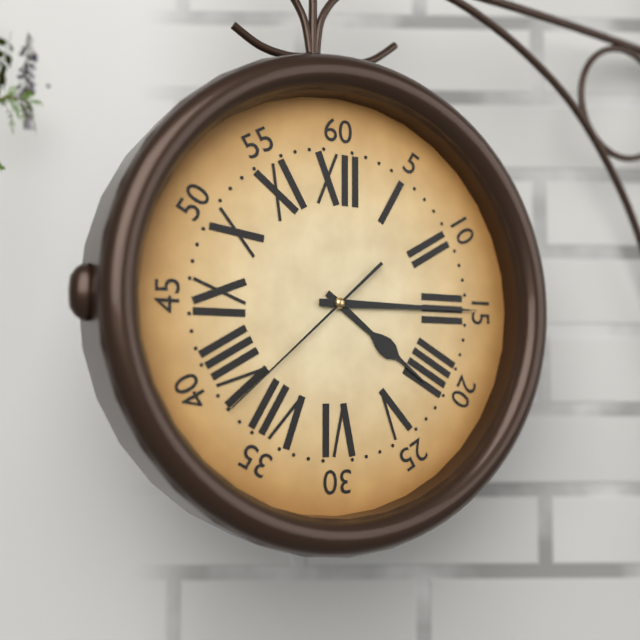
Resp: {"hour": 4, "minute": 15, "second": 38}
